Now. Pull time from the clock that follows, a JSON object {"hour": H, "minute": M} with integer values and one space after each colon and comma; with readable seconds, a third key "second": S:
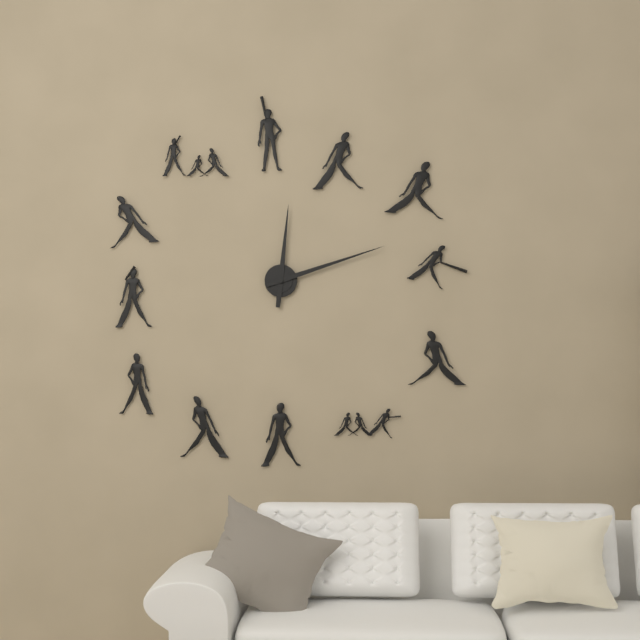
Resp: {"hour": 12, "minute": 12}
